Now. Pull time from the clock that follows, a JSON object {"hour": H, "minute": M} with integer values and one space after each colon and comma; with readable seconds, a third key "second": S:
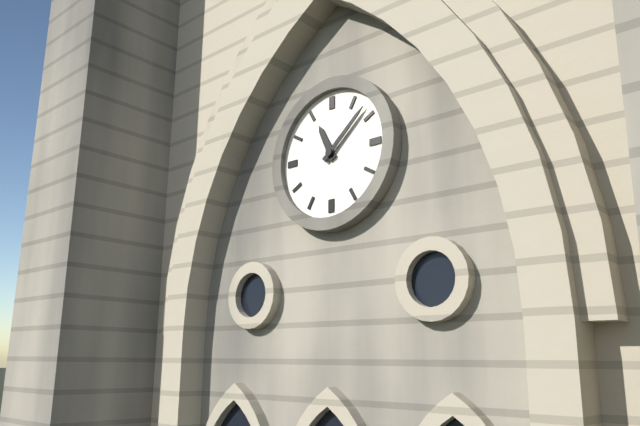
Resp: {"hour": 11, "minute": 8}
